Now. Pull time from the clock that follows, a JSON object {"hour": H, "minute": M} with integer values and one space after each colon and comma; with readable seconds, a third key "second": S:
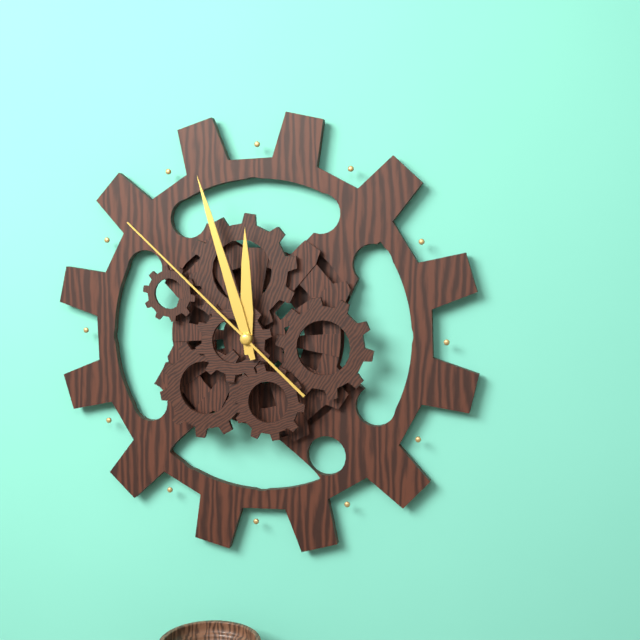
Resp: {"hour": 11, "minute": 57, "second": 52}
